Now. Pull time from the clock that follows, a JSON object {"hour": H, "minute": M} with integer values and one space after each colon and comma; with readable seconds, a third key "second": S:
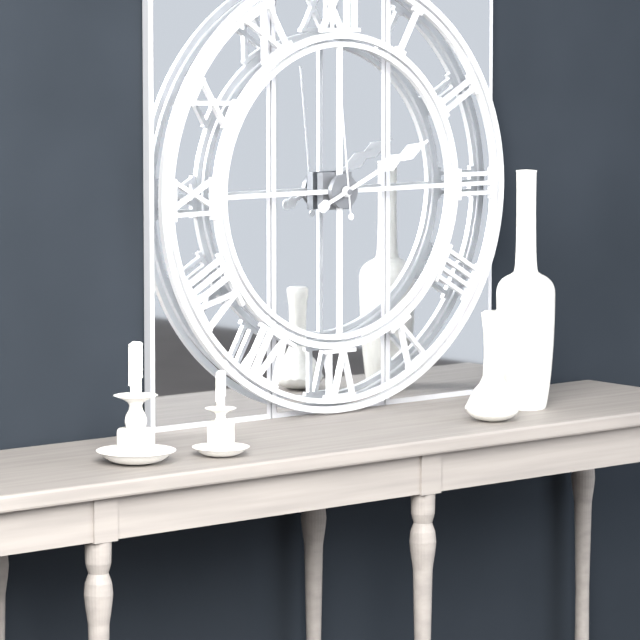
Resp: {"hour": 2, "minute": 11, "second": 59}
